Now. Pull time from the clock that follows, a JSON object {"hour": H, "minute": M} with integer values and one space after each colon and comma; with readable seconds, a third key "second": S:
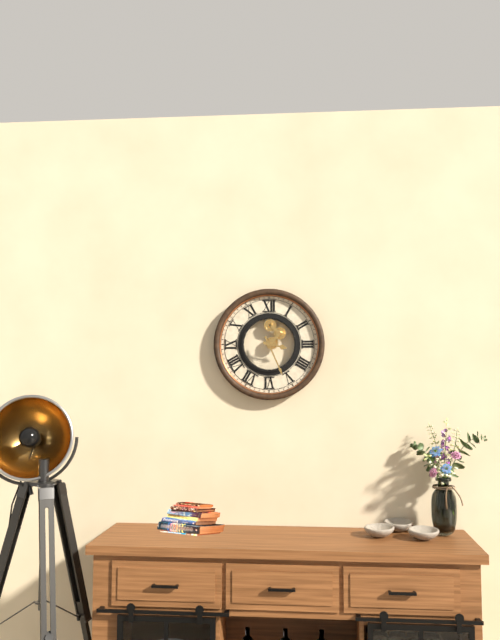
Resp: {"hour": 3, "minute": 26}
